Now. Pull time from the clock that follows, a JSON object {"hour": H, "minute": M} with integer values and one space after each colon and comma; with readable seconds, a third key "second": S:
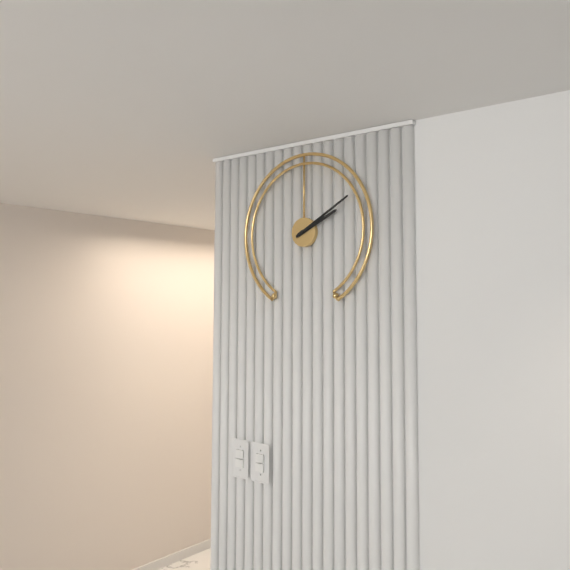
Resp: {"hour": 2, "minute": 10}
